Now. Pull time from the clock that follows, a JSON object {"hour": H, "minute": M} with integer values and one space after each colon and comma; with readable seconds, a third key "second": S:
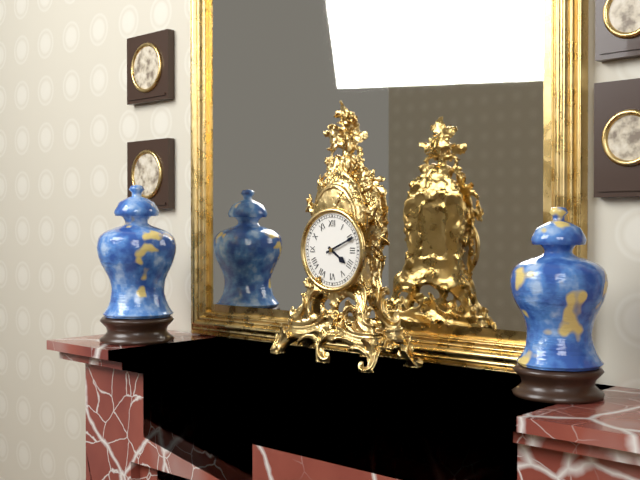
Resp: {"hour": 4, "minute": 11}
